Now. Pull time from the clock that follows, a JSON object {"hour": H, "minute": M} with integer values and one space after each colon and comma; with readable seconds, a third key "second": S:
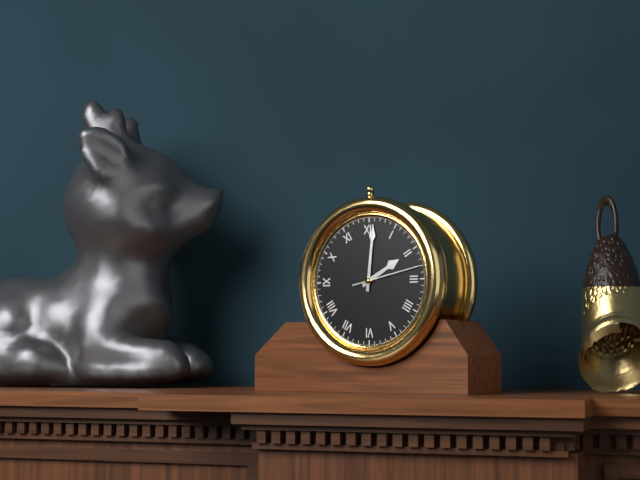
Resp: {"hour": 2, "minute": 1}
